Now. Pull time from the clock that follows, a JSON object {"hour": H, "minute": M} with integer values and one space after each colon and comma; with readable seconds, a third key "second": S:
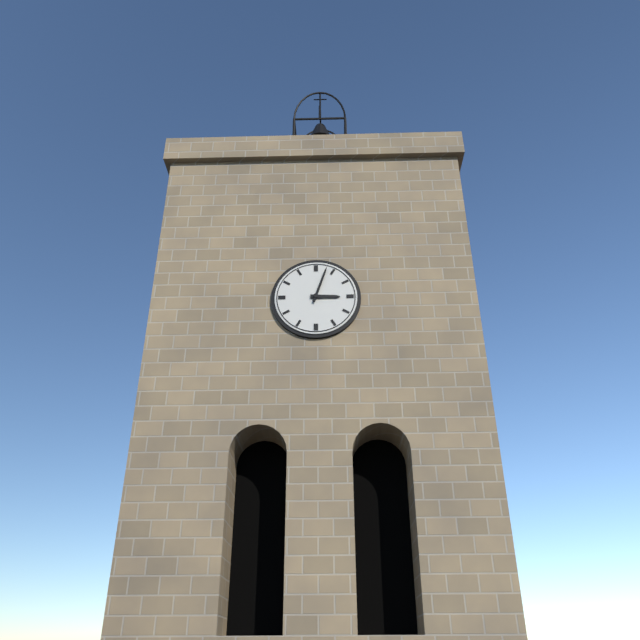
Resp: {"hour": 3, "minute": 3}
